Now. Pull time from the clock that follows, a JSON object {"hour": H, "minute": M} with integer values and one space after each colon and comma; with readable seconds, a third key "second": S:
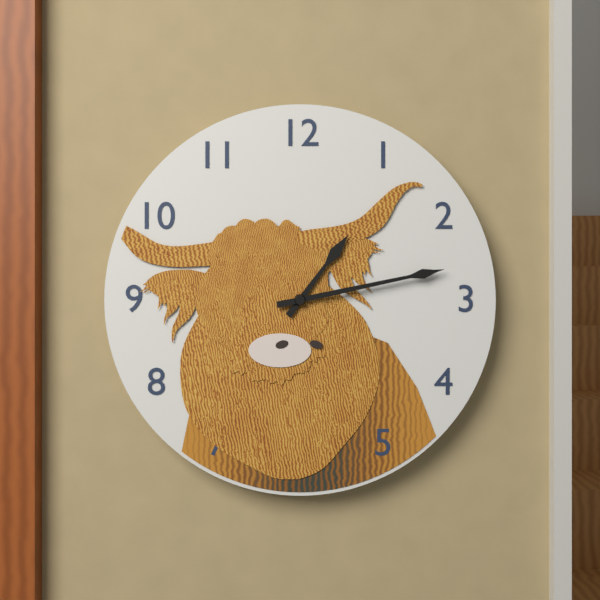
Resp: {"hour": 1, "minute": 13}
